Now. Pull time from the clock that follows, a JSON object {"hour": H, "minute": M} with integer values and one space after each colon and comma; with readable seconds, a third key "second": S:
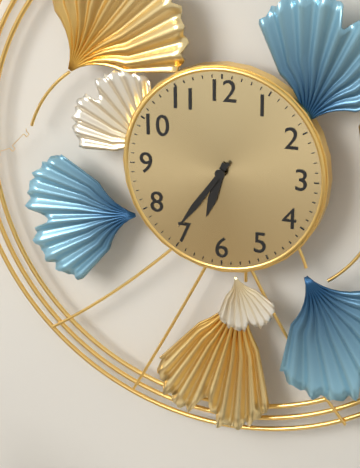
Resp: {"hour": 6, "minute": 36}
